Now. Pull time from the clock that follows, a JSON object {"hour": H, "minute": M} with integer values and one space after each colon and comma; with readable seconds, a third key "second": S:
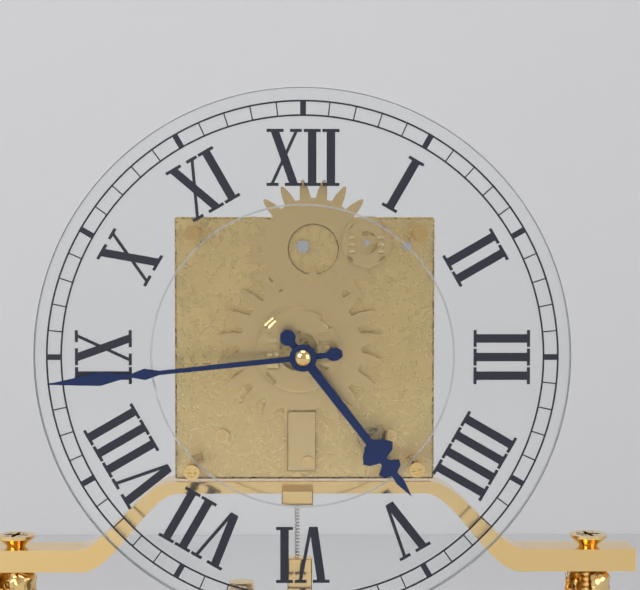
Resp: {"hour": 4, "minute": 44}
